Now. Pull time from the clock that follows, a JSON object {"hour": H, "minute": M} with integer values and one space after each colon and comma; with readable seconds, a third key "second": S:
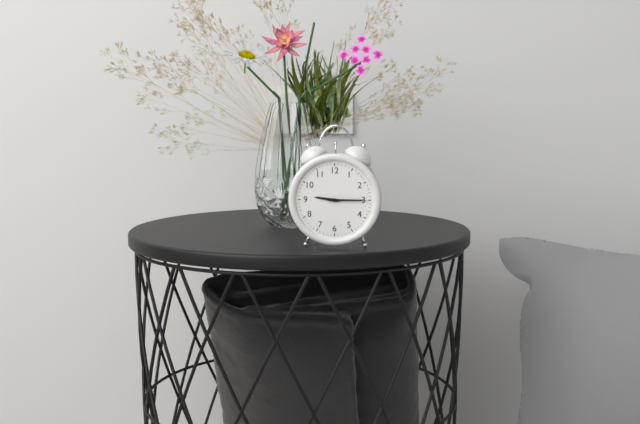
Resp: {"hour": 9, "minute": 15}
